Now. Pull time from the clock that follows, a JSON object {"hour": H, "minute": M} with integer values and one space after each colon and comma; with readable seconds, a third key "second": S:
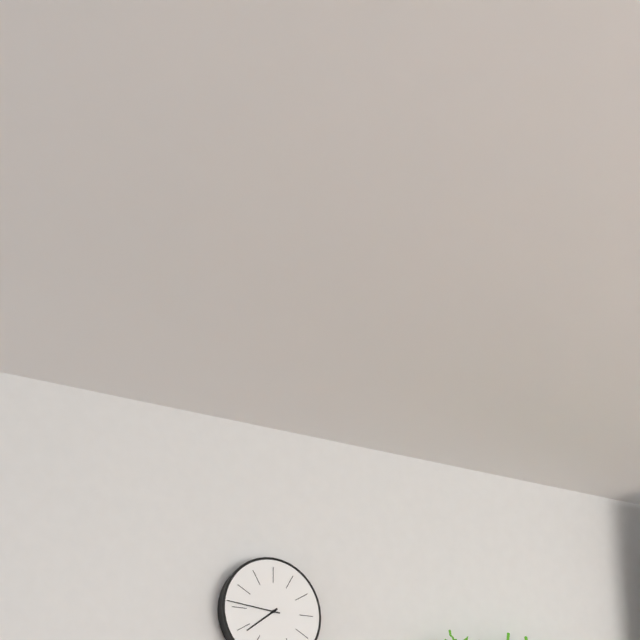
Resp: {"hour": 7, "minute": 46}
